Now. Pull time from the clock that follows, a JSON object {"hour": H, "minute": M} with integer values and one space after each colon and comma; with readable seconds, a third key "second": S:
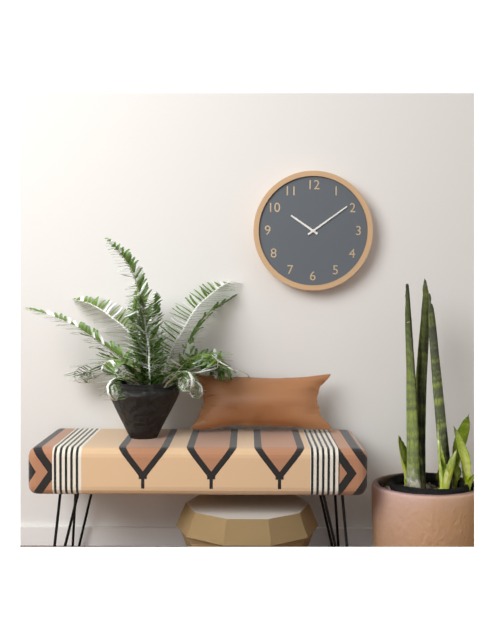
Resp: {"hour": 10, "minute": 9}
